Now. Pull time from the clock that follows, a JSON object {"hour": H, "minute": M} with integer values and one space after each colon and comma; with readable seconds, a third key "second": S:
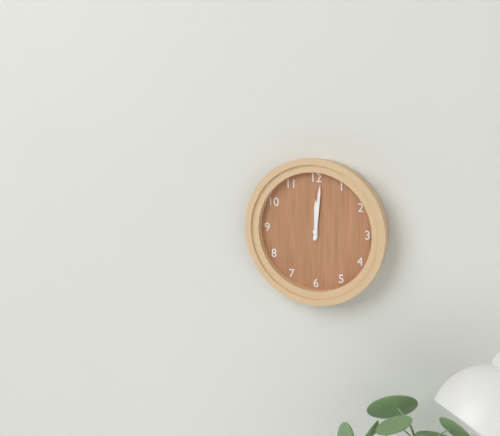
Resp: {"hour": 12, "minute": 1}
